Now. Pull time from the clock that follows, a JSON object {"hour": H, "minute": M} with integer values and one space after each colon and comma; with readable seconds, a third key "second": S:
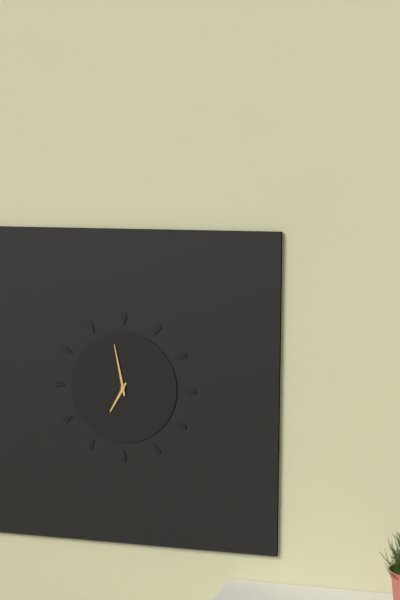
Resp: {"hour": 6, "minute": 58}
